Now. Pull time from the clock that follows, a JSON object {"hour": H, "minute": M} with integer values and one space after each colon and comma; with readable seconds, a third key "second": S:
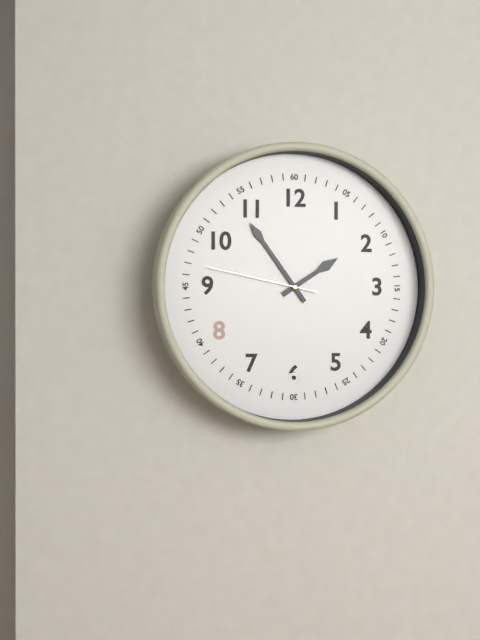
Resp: {"hour": 1, "minute": 54, "second": 47}
